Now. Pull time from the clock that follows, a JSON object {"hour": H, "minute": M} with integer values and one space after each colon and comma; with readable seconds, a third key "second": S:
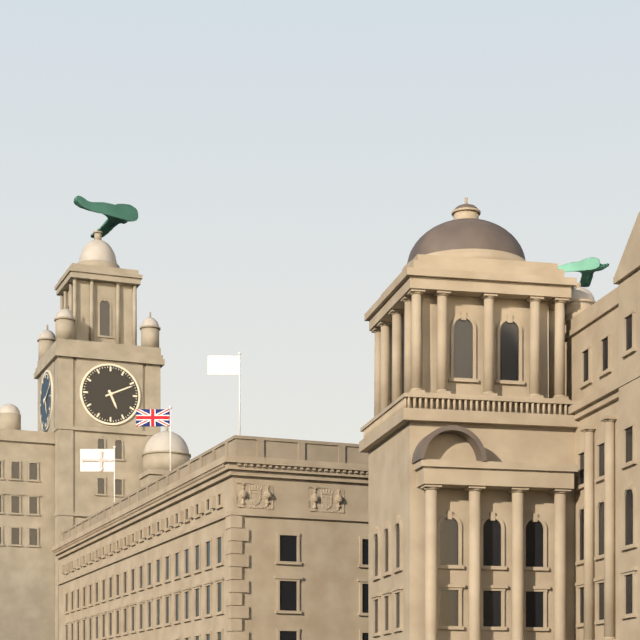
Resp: {"hour": 5, "minute": 11}
